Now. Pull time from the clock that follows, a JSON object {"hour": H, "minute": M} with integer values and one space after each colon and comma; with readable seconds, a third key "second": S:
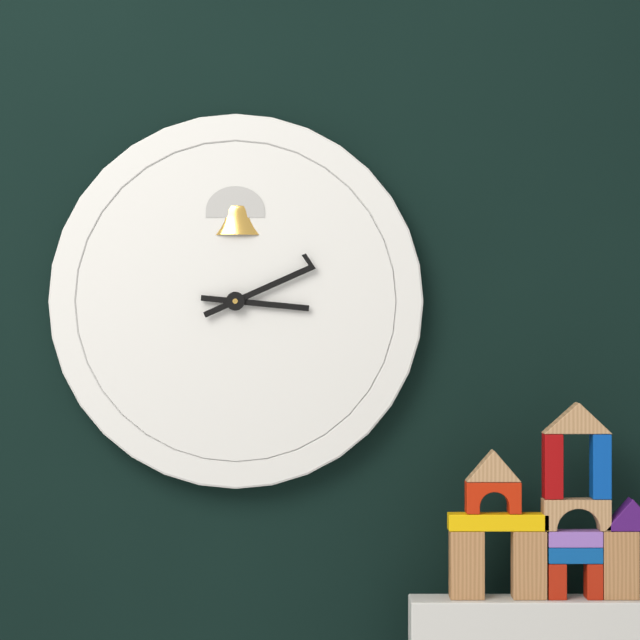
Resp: {"hour": 3, "minute": 11}
